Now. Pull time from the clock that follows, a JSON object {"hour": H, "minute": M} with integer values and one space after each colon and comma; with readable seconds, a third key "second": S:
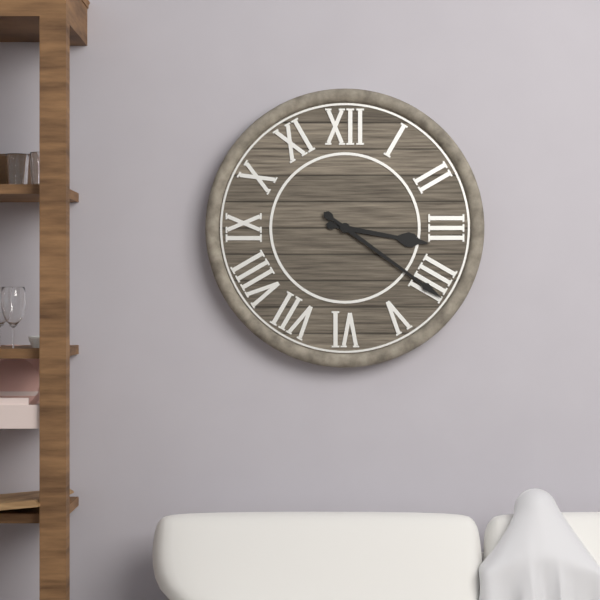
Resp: {"hour": 3, "minute": 21}
